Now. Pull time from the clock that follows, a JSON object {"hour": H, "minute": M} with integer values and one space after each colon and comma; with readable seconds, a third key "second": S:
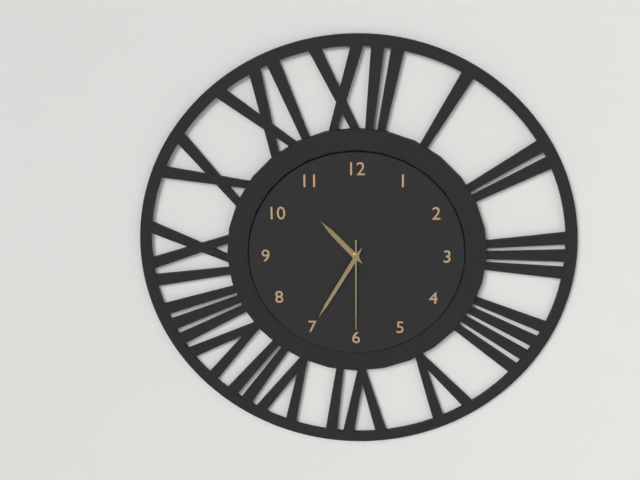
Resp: {"hour": 10, "minute": 35, "second": 30}
